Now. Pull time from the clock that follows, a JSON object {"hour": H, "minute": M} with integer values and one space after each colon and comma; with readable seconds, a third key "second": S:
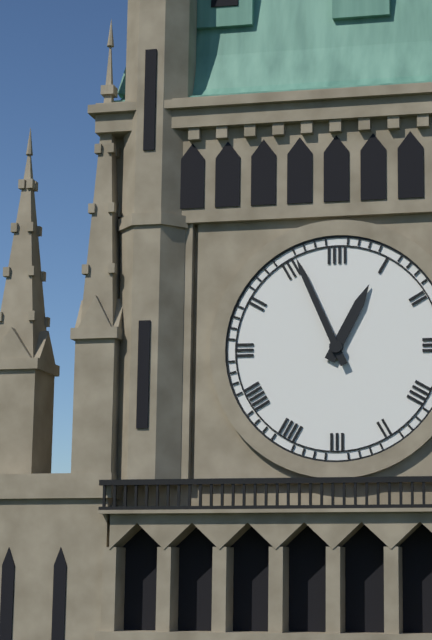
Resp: {"hour": 12, "minute": 56}
